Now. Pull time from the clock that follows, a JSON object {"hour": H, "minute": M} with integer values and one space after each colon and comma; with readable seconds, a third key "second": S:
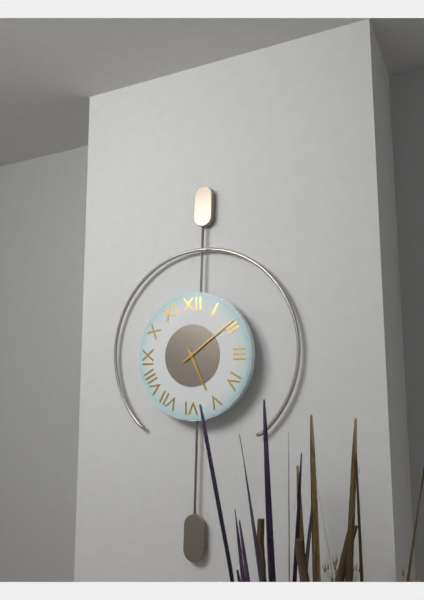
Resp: {"hour": 5, "minute": 9}
